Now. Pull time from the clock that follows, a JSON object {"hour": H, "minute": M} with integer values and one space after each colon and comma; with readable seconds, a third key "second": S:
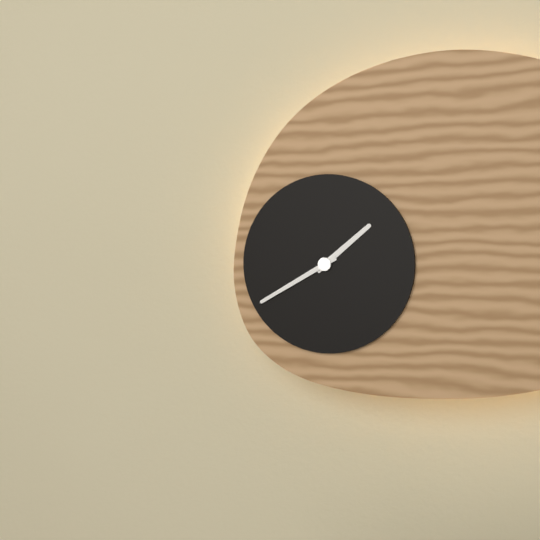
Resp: {"hour": 1, "minute": 40}
